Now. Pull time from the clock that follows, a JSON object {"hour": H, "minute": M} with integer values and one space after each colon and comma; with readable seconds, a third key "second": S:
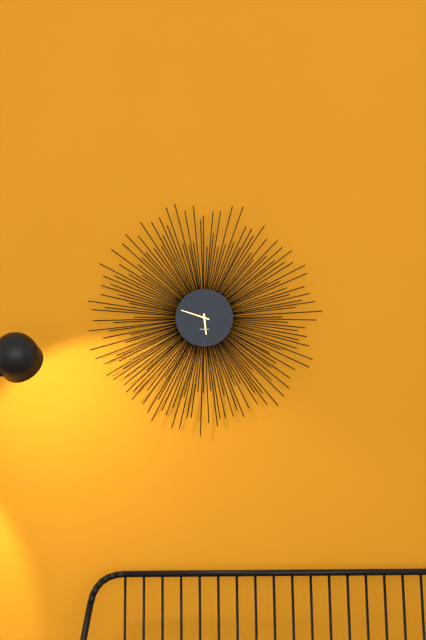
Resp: {"hour": 5, "minute": 48}
